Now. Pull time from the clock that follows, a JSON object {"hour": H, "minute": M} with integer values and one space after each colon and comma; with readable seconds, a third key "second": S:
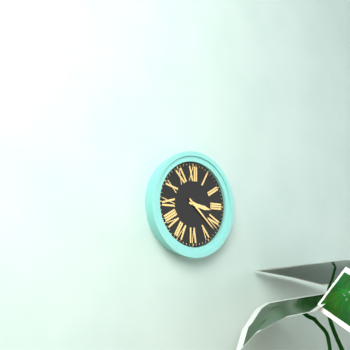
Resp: {"hour": 3, "minute": 22}
